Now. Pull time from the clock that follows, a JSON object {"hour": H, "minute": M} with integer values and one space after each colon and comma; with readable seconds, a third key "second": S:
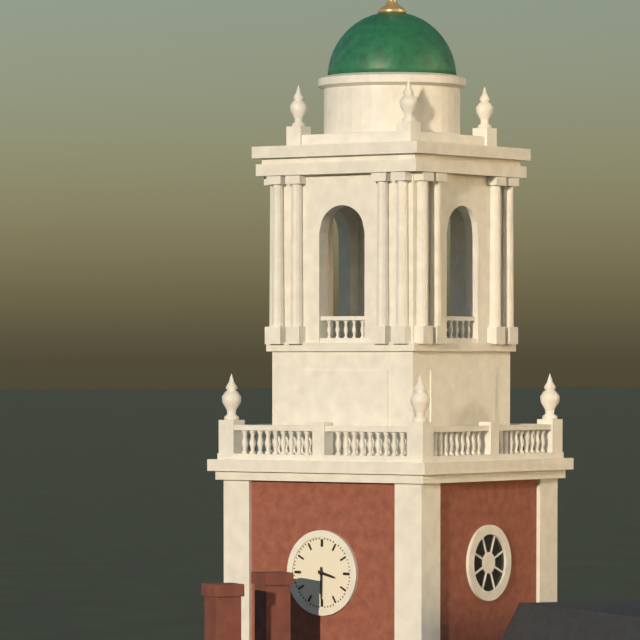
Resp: {"hour": 3, "minute": 30}
